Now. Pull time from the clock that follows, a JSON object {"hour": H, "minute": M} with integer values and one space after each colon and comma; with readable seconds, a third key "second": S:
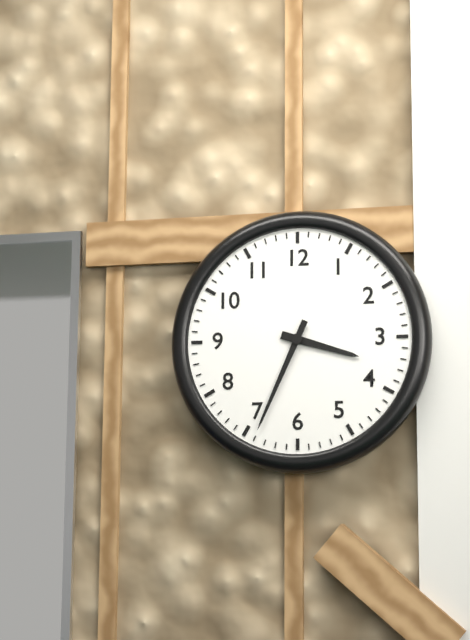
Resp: {"hour": 3, "minute": 34}
